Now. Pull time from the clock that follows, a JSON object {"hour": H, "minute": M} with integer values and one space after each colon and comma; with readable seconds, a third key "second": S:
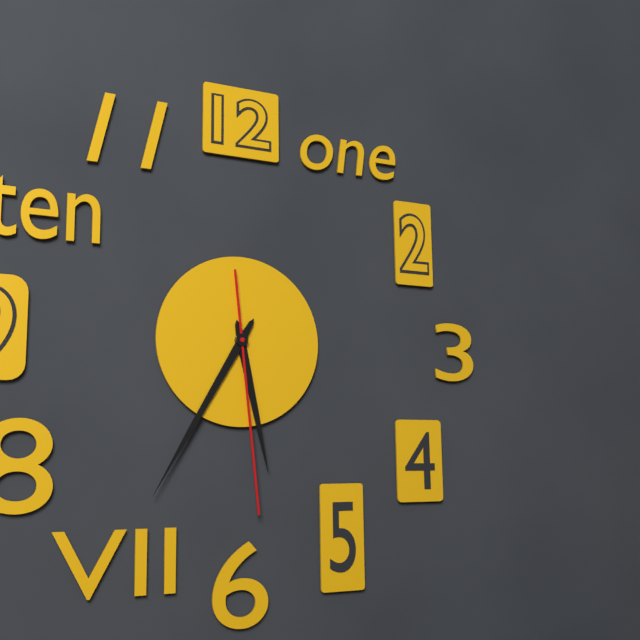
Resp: {"hour": 5, "minute": 35, "second": 29}
